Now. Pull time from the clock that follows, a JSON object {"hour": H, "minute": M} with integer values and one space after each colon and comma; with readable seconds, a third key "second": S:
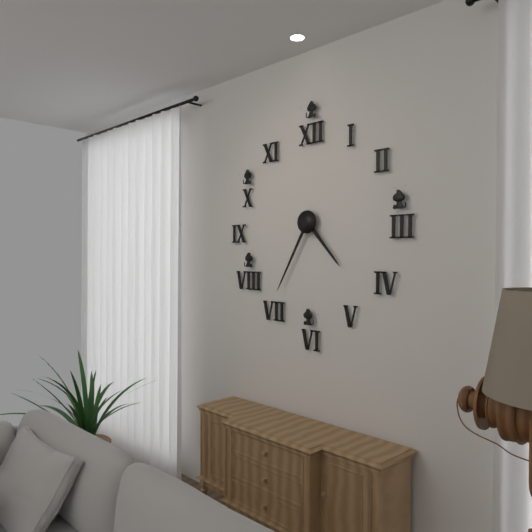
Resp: {"hour": 4, "minute": 35}
